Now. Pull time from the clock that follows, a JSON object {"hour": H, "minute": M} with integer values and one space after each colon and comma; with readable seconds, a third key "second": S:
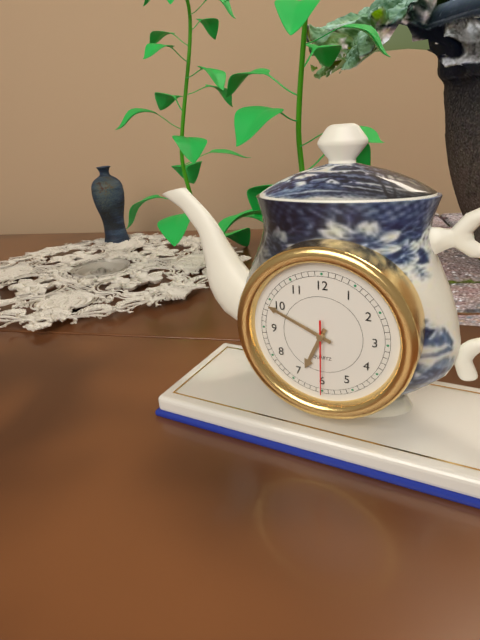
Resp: {"hour": 6, "minute": 49, "second": 30}
